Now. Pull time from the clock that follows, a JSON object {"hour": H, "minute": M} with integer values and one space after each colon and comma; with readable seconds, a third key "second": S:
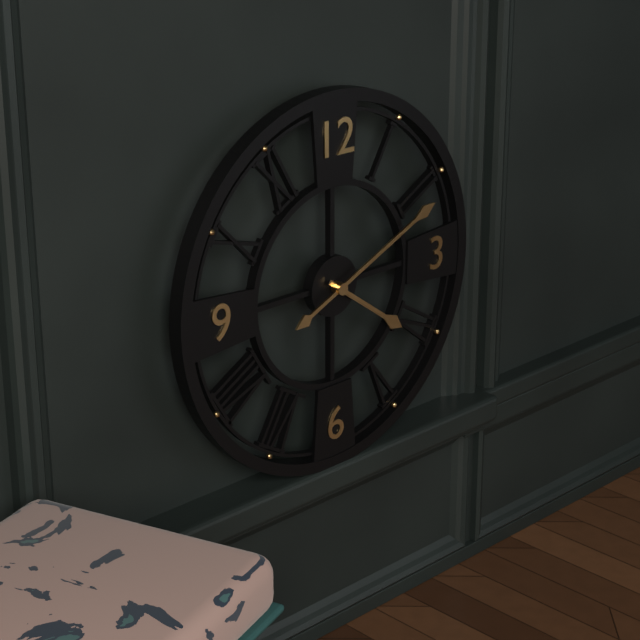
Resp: {"hour": 4, "minute": 11}
